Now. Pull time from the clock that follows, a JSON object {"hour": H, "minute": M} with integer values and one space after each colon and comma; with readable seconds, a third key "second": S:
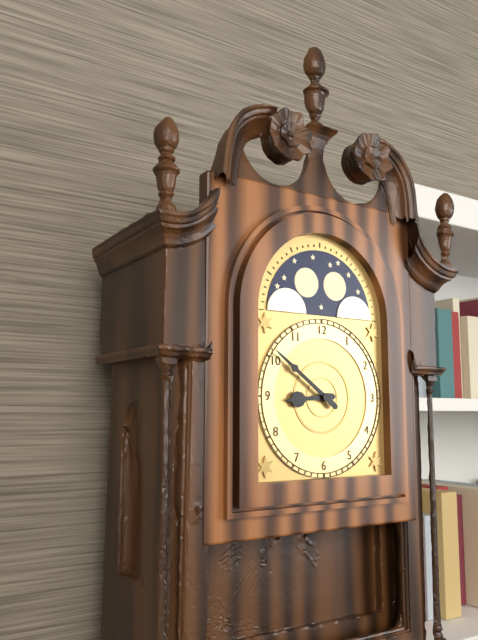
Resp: {"hour": 8, "minute": 51}
